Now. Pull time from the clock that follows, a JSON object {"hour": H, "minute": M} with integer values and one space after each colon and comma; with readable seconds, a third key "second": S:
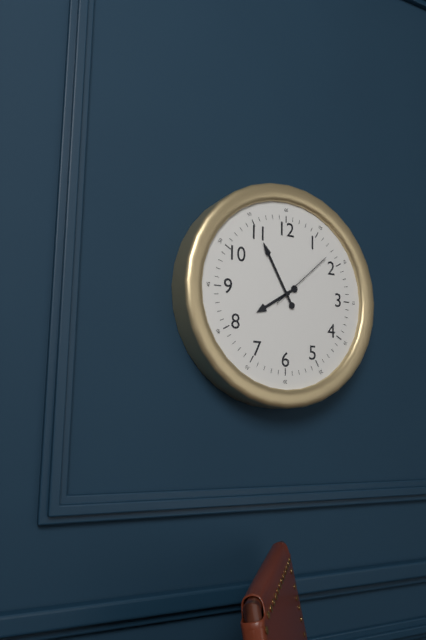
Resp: {"hour": 7, "minute": 55, "second": 8}
